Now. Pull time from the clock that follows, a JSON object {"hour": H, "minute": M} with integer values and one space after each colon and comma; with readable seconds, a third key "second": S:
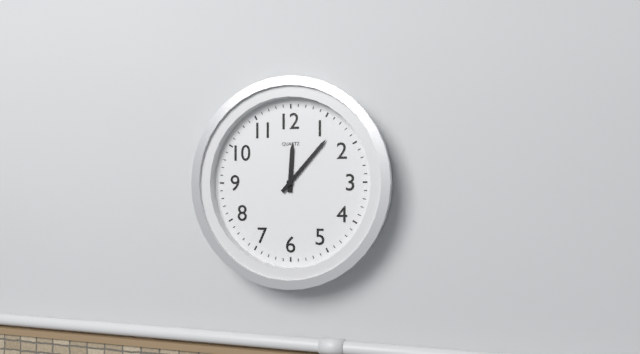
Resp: {"hour": 12, "minute": 7}
